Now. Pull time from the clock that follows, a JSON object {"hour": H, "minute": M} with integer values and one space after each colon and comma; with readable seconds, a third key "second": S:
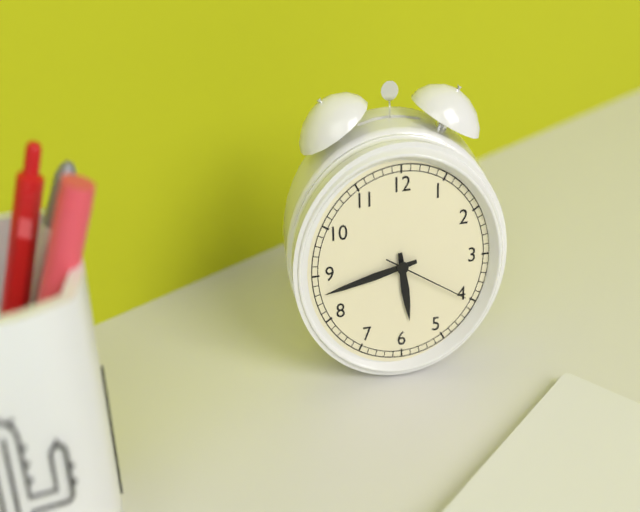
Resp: {"hour": 5, "minute": 43, "second": 20}
